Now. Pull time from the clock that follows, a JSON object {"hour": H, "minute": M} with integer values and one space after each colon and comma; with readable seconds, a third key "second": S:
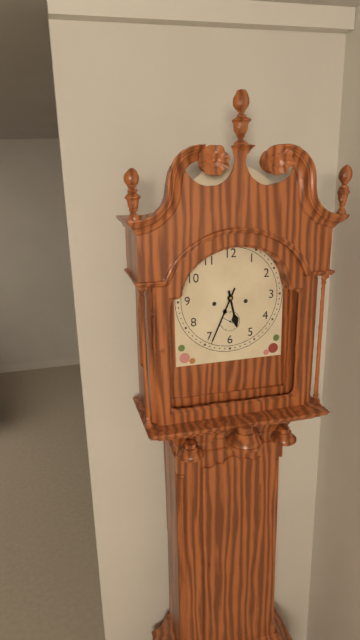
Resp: {"hour": 5, "minute": 34}
